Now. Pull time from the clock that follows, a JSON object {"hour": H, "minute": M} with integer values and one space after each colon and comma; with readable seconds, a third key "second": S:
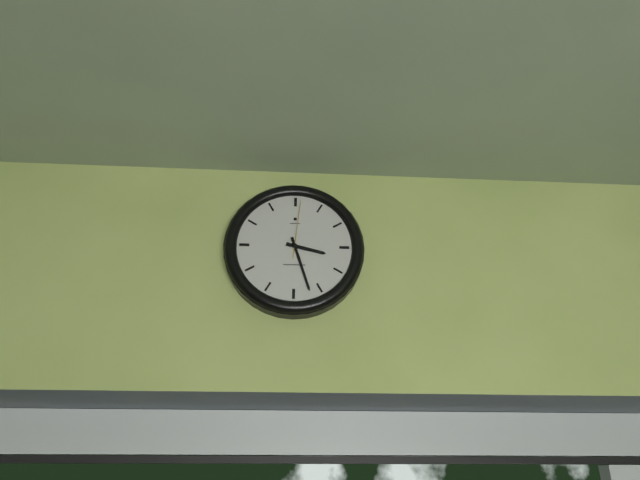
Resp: {"hour": 3, "minute": 27, "second": 1}
